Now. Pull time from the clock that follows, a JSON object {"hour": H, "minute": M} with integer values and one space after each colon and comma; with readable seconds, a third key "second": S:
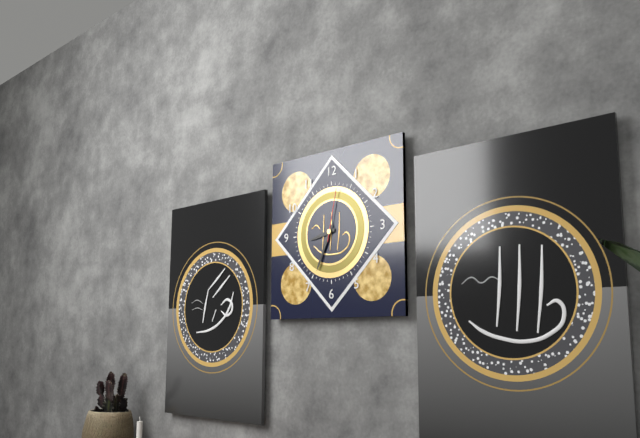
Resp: {"hour": 8, "minute": 34, "second": 2}
